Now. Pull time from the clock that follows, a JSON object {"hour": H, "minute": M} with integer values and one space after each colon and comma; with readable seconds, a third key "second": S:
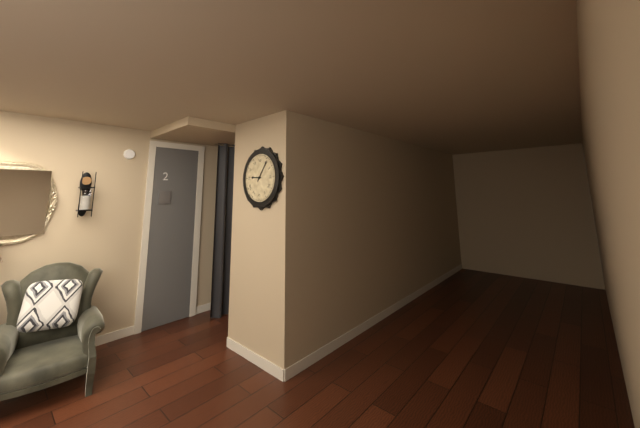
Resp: {"hour": 9, "minute": 6}
